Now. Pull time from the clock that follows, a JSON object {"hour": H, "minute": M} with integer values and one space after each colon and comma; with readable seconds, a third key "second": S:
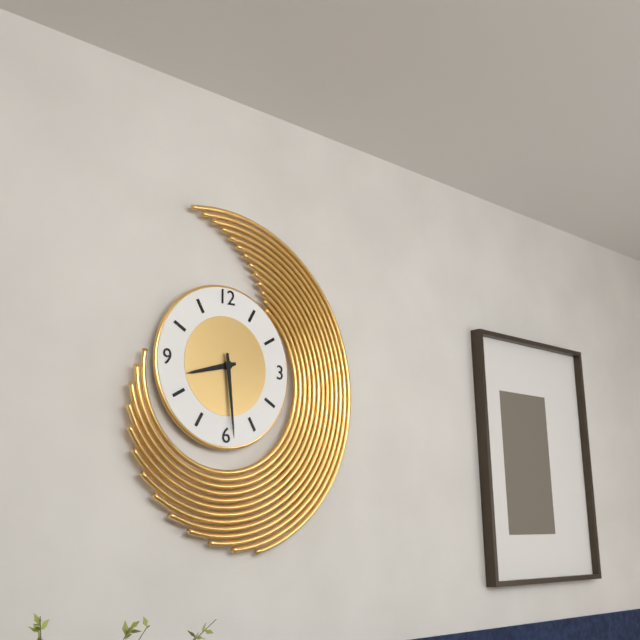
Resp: {"hour": 8, "minute": 29}
